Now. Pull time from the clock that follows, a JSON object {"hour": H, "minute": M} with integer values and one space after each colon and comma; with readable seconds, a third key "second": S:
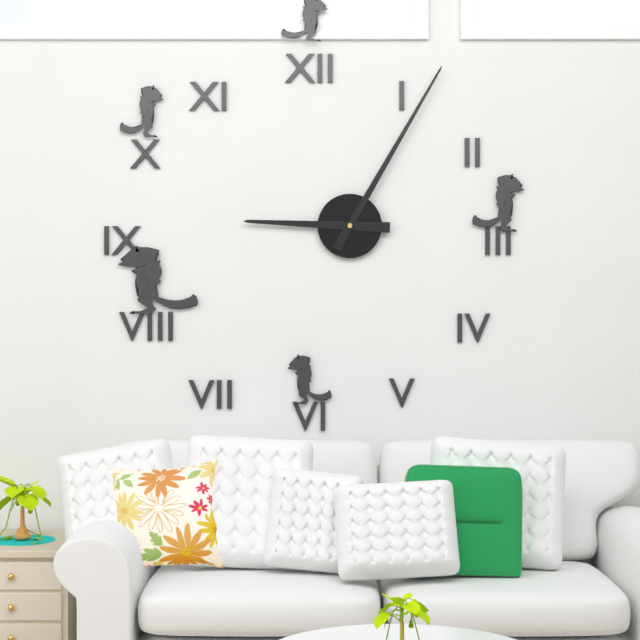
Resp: {"hour": 9, "minute": 5}
